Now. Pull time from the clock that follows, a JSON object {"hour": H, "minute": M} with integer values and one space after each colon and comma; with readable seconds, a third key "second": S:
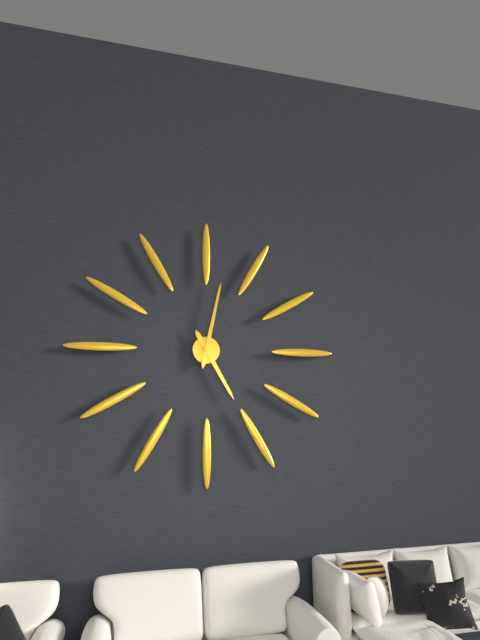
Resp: {"hour": 5, "minute": 2}
